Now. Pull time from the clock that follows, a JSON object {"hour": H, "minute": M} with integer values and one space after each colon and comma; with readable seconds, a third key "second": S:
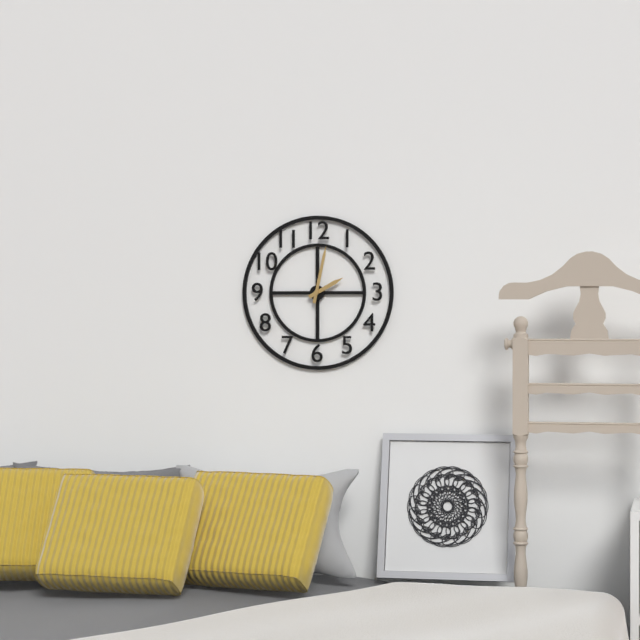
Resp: {"hour": 2, "minute": 2}
